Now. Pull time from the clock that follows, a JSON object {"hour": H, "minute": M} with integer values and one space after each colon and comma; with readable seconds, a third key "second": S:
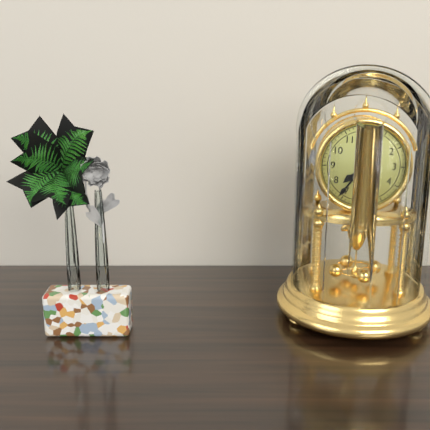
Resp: {"hour": 7, "minute": 36}
